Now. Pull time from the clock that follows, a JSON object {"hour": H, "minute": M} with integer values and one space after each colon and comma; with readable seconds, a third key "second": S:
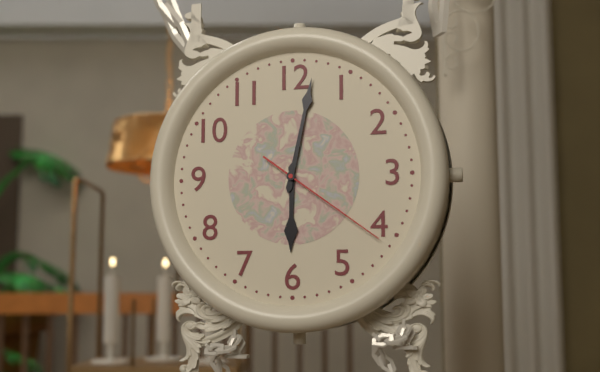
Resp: {"hour": 6, "minute": 2, "second": 21}
